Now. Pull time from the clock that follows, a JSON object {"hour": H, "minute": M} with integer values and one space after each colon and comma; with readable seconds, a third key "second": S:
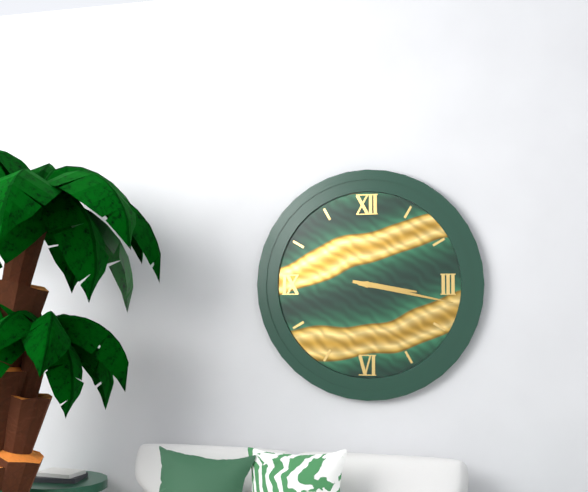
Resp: {"hour": 3, "minute": 17}
